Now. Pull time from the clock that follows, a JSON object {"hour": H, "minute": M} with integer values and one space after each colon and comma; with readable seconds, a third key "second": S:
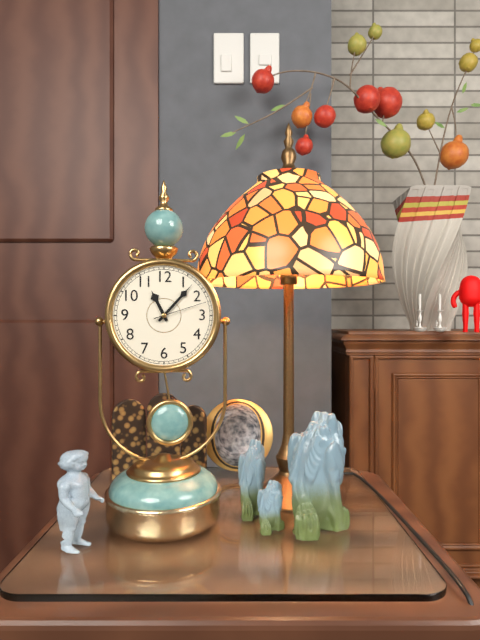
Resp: {"hour": 11, "minute": 7, "second": 12}
